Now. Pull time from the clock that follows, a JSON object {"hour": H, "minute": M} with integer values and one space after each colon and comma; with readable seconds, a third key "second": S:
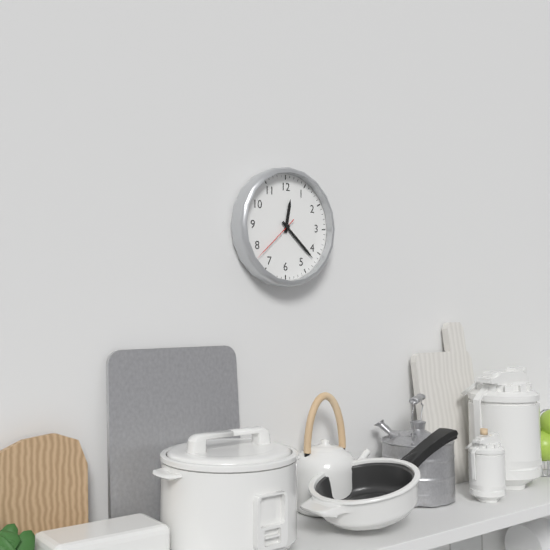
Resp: {"hour": 12, "minute": 22, "second": 38}
